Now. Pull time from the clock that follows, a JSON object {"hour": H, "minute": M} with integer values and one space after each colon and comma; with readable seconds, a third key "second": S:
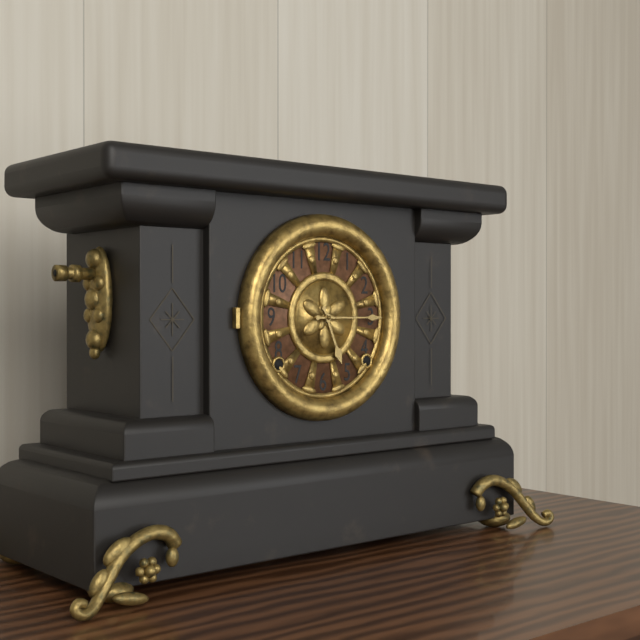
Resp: {"hour": 5, "minute": 15}
